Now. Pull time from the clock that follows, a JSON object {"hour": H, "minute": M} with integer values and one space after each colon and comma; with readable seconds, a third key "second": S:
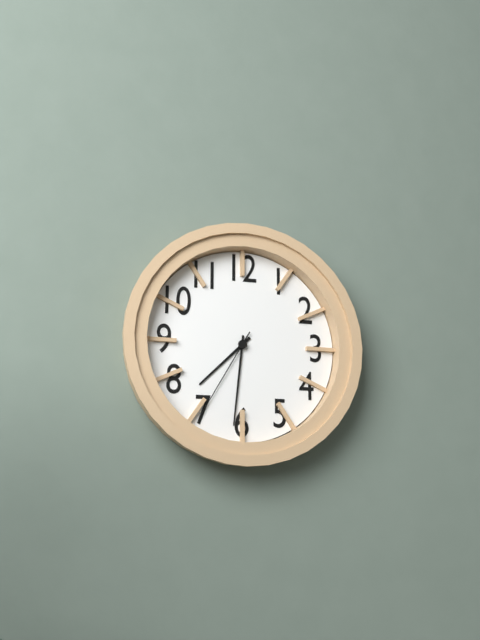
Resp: {"hour": 7, "minute": 31, "second": 35}
